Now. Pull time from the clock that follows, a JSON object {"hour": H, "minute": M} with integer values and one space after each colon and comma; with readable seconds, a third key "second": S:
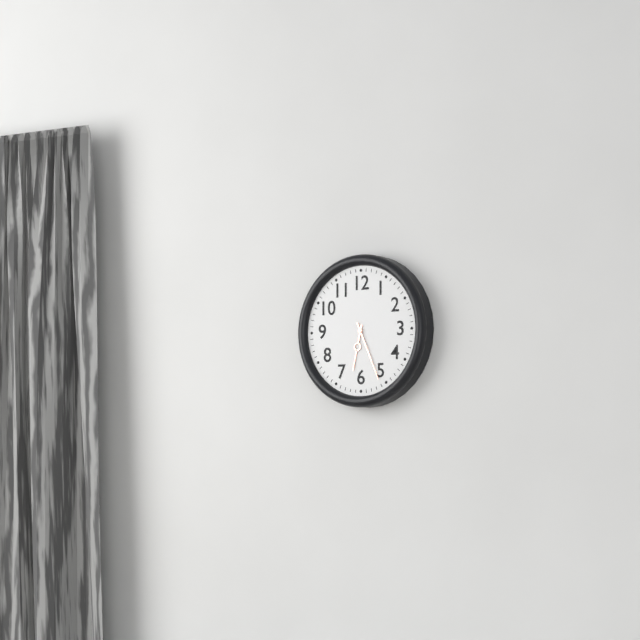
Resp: {"hour": 6, "minute": 26}
